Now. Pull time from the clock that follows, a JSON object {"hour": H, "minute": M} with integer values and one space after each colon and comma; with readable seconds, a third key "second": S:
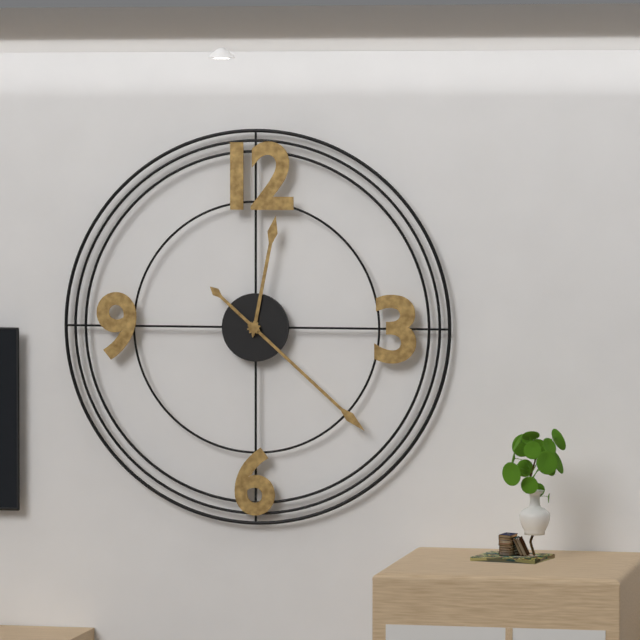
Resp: {"hour": 12, "minute": 22}
